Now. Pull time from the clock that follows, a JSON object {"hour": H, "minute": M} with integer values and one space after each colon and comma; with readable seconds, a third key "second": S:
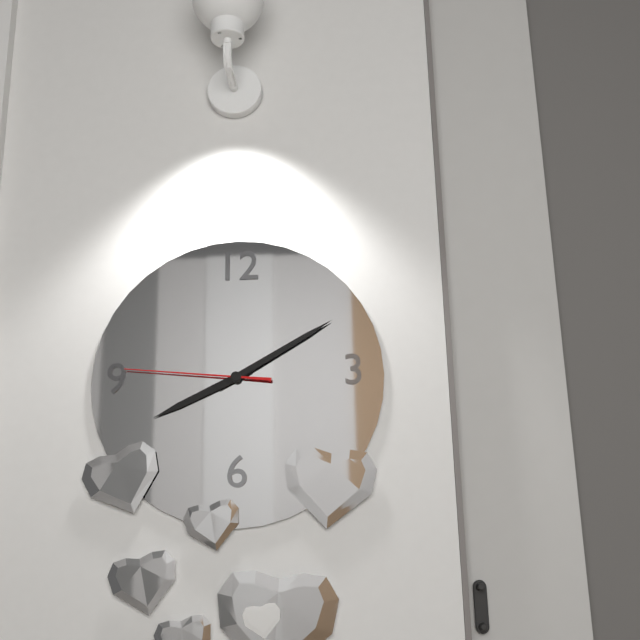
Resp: {"hour": 8, "minute": 10, "second": 46}
